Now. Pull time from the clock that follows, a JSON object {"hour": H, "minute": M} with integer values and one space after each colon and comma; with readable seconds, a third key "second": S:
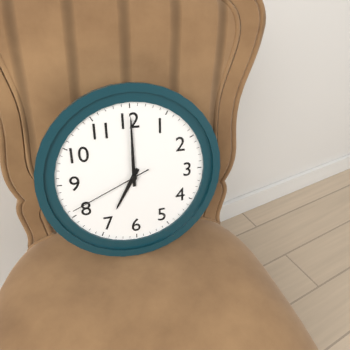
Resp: {"hour": 7, "minute": 0, "second": 41}
